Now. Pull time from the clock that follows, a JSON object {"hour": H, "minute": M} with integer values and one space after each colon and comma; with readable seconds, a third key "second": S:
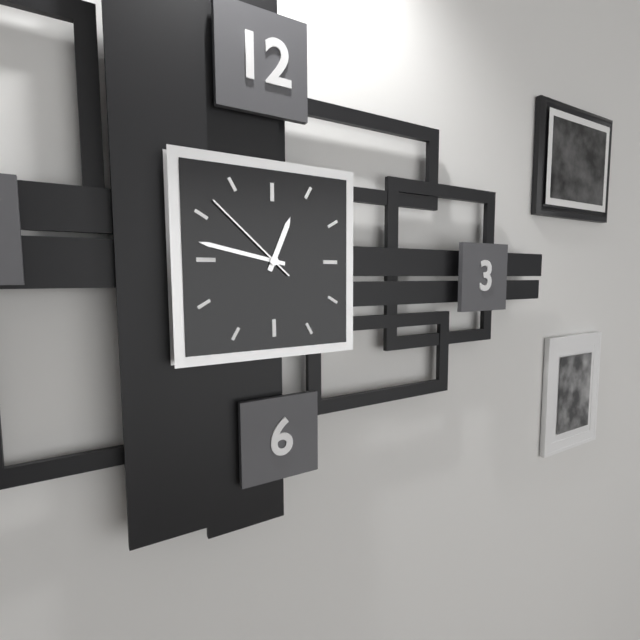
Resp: {"hour": 12, "minute": 47, "second": 52}
